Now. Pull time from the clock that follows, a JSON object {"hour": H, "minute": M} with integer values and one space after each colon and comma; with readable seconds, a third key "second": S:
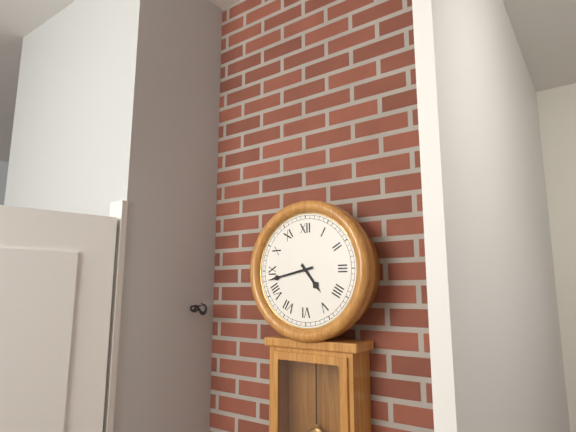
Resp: {"hour": 4, "minute": 43}
